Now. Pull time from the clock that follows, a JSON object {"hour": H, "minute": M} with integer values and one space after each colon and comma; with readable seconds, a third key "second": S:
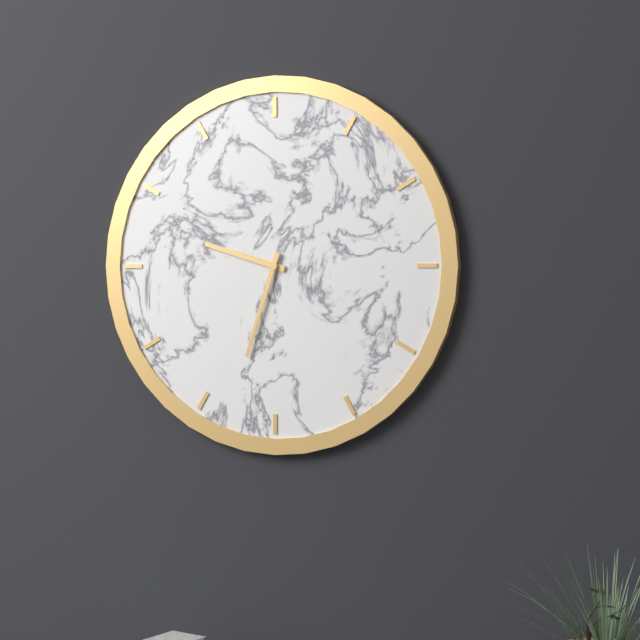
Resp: {"hour": 9, "minute": 33}
